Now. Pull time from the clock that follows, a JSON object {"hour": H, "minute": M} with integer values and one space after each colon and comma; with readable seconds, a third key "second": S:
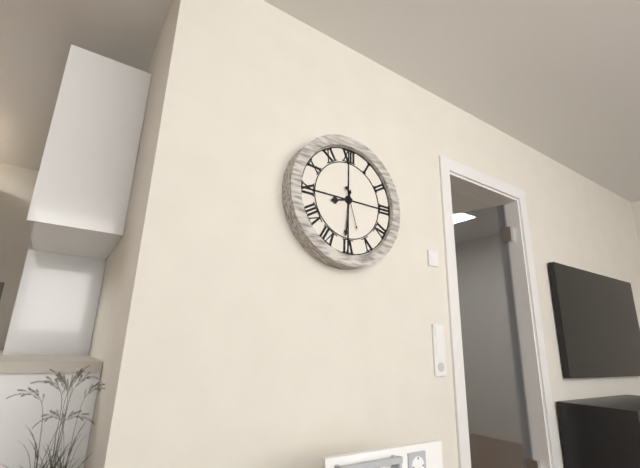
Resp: {"hour": 8, "minute": 31}
